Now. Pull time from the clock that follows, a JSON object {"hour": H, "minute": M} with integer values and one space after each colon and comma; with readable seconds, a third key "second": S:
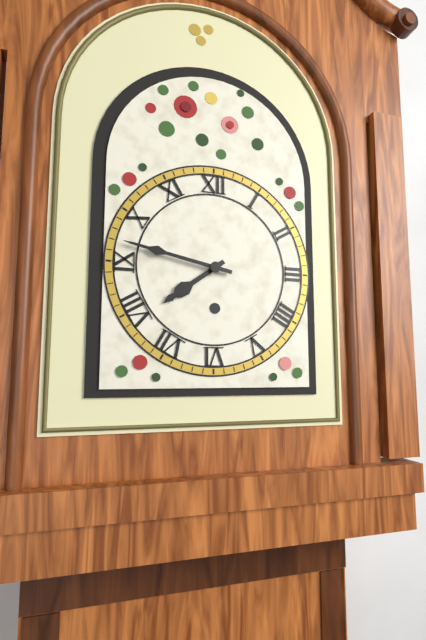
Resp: {"hour": 7, "minute": 47}
